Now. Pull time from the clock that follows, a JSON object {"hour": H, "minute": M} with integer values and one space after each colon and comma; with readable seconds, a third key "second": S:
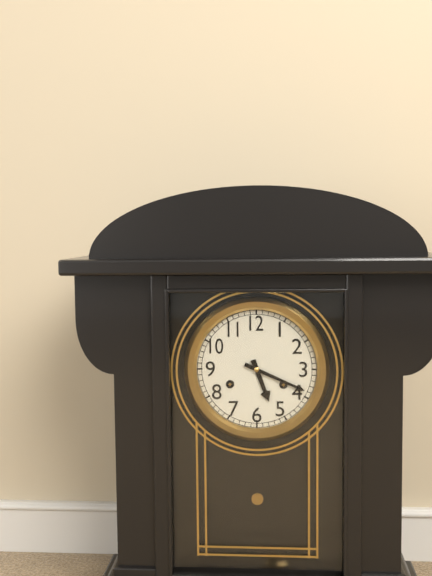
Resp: {"hour": 5, "minute": 19}
